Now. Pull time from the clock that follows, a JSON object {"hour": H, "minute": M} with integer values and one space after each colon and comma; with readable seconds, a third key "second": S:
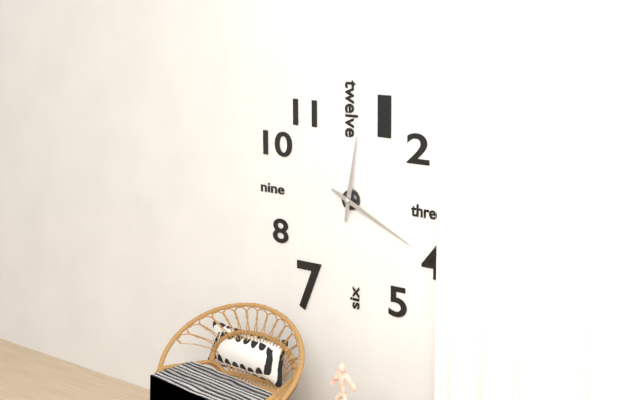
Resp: {"hour": 12, "minute": 19}
